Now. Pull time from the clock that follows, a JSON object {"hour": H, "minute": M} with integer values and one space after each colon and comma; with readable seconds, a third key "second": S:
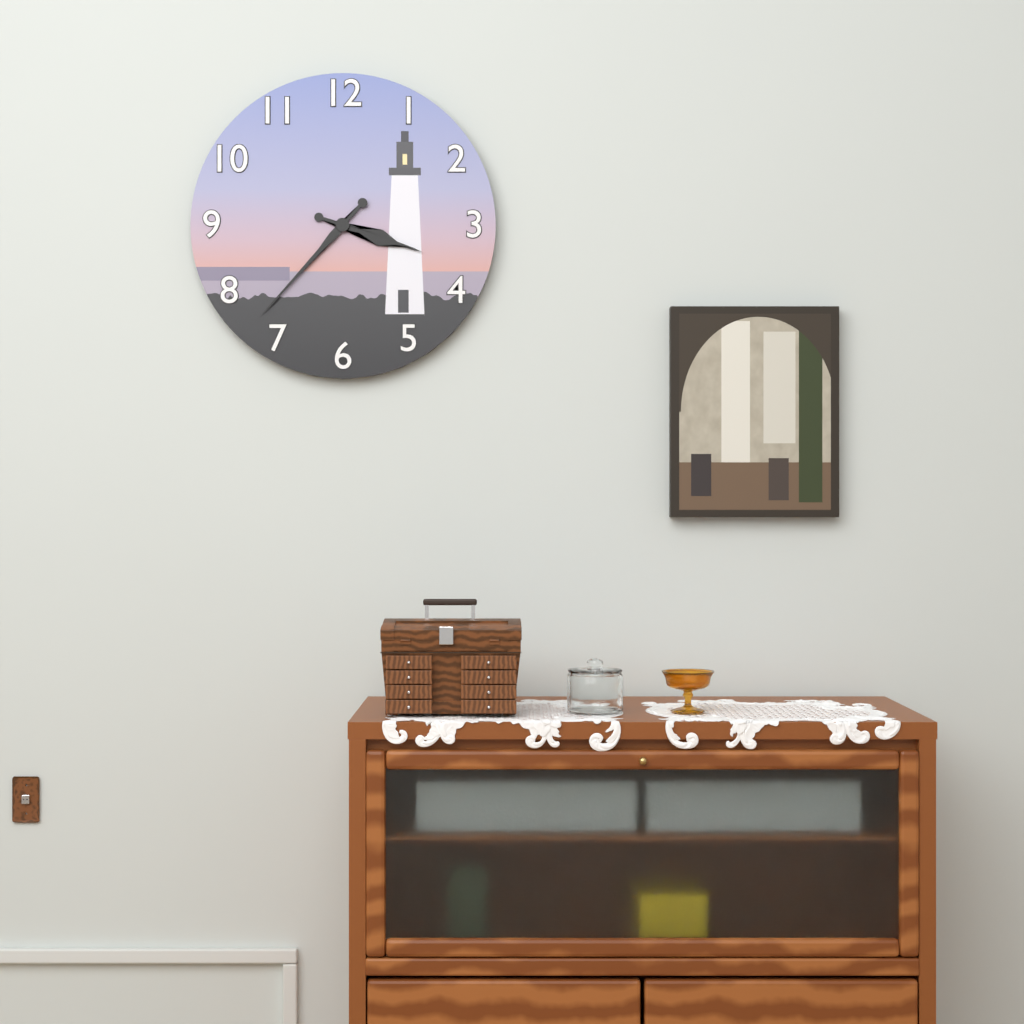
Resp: {"hour": 3, "minute": 37}
